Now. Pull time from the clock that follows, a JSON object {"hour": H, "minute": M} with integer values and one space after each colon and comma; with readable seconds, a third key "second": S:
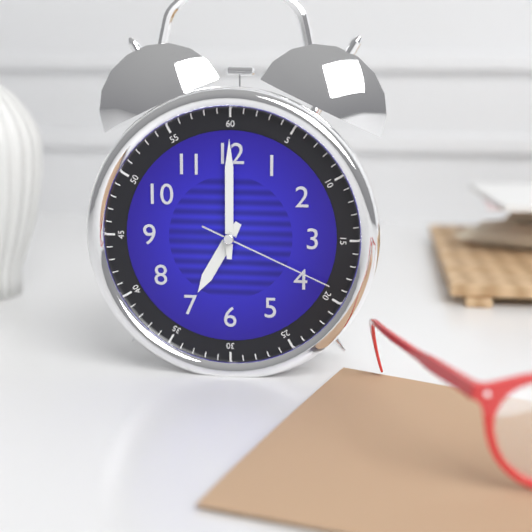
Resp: {"hour": 7, "minute": 0, "second": 19}
